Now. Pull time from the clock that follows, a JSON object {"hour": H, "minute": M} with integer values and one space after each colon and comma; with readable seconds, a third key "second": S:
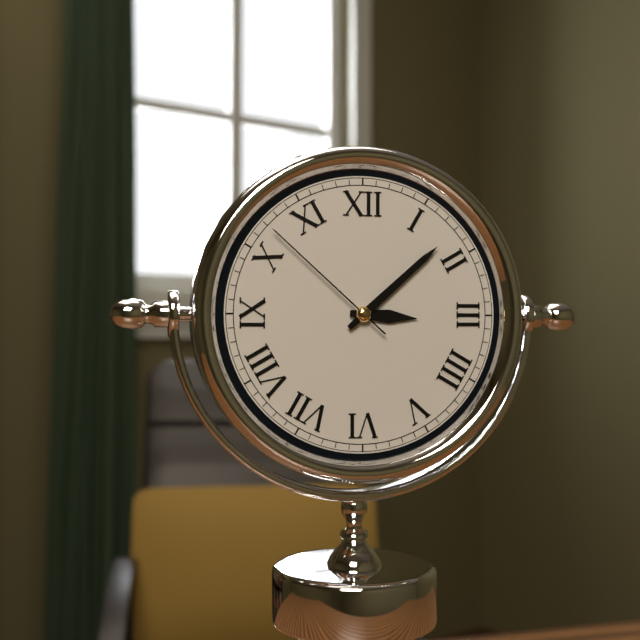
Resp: {"hour": 3, "minute": 8, "second": 52}
